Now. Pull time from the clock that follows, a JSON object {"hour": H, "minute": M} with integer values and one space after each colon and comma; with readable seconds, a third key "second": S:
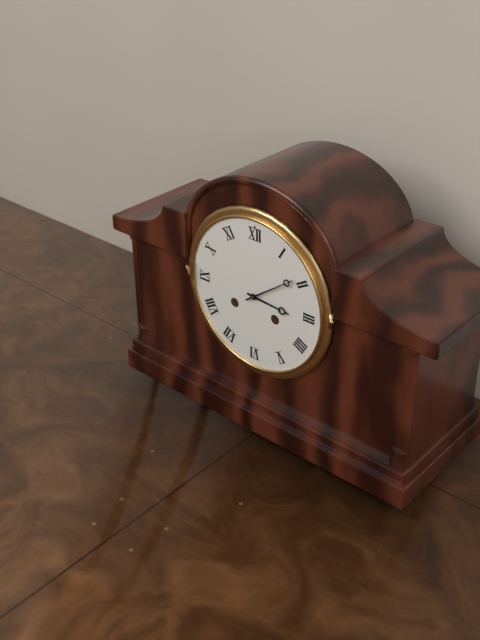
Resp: {"hour": 3, "minute": 9}
